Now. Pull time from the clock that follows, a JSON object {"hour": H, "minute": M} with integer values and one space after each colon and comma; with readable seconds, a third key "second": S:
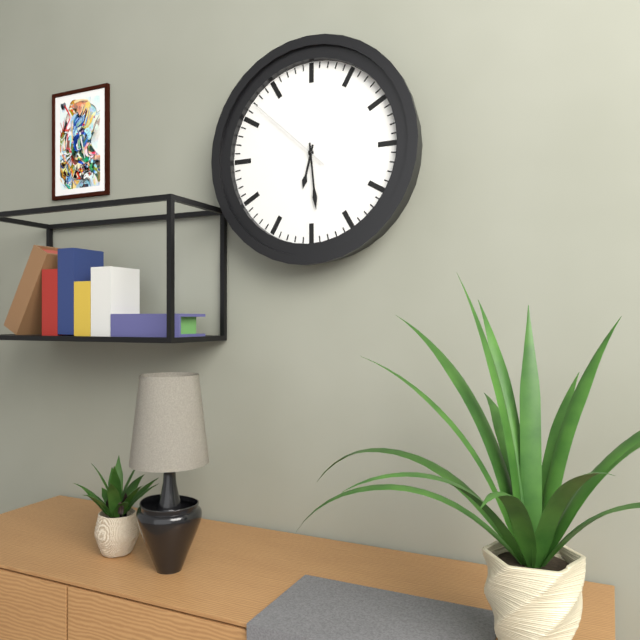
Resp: {"hour": 6, "minute": 29, "second": 52}
